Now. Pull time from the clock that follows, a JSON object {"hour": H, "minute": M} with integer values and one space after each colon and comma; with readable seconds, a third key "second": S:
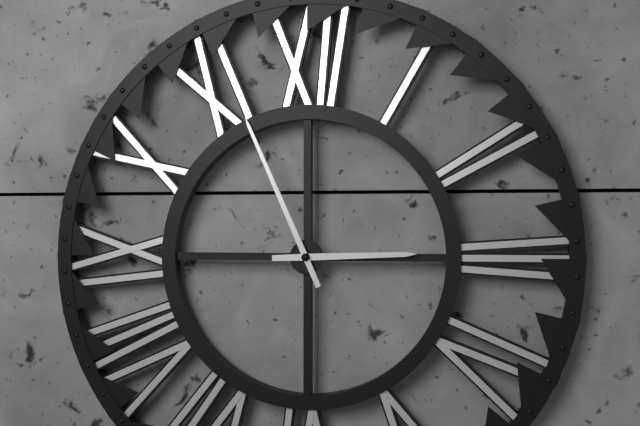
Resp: {"hour": 2, "minute": 56}
